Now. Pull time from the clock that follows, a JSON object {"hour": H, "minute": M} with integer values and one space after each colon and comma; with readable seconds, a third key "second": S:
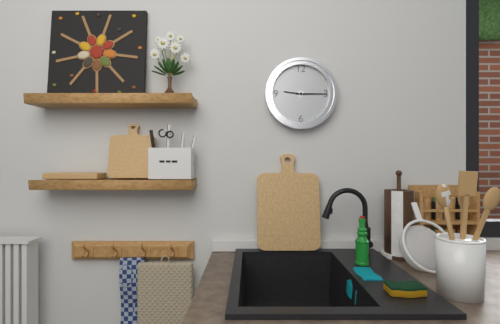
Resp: {"hour": 9, "minute": 15}
